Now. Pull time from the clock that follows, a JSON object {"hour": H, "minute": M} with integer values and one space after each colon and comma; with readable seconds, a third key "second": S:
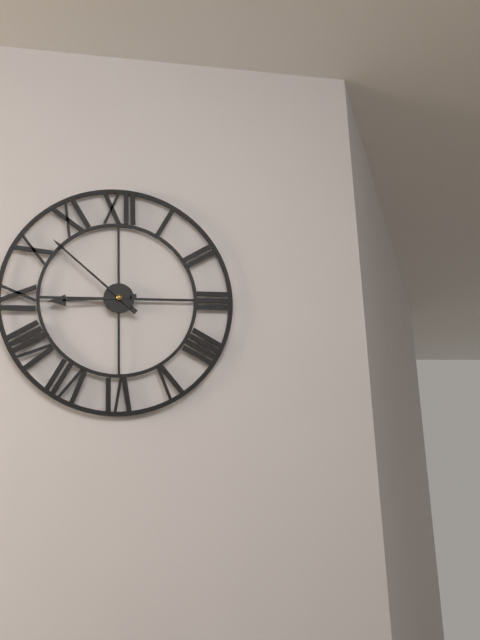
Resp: {"hour": 8, "minute": 52}
